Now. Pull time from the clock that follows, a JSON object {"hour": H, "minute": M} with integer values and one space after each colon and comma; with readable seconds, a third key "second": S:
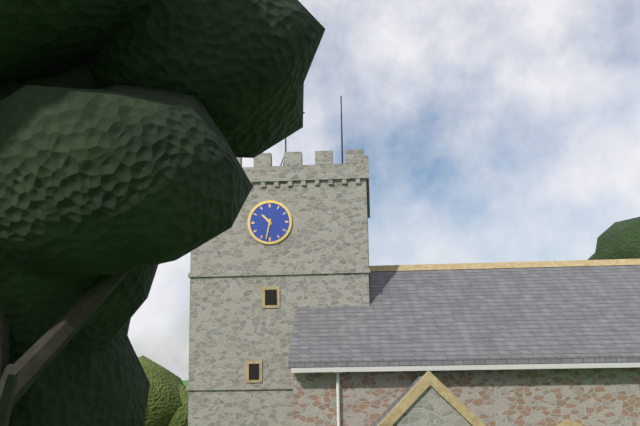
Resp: {"hour": 10, "minute": 32}
